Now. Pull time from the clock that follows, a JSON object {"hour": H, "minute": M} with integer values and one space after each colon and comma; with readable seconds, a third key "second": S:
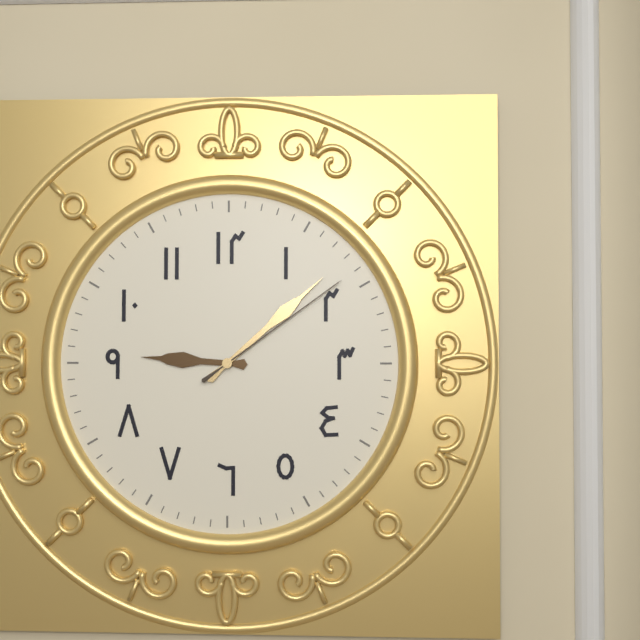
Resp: {"hour": 9, "minute": 8, "second": 9}
